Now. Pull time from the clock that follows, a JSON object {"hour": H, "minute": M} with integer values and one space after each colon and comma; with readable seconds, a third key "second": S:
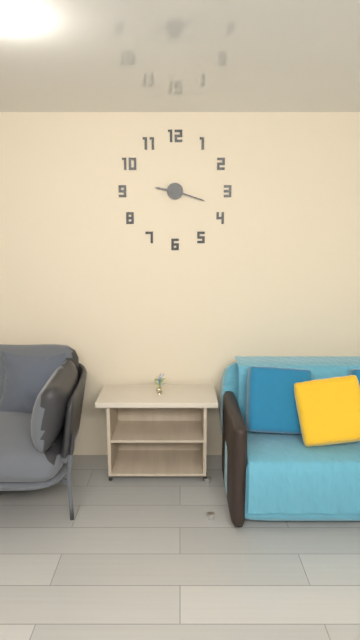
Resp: {"hour": 9, "minute": 18}
